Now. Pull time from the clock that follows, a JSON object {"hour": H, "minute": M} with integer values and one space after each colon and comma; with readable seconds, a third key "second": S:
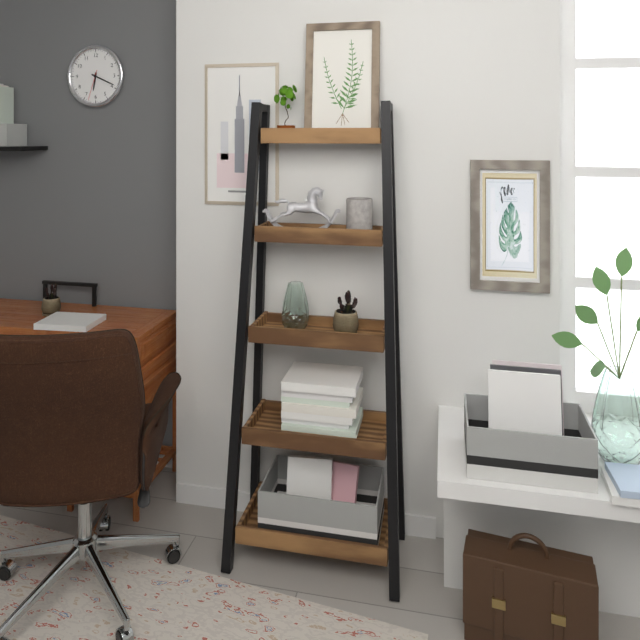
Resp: {"hour": 6, "minute": 19}
